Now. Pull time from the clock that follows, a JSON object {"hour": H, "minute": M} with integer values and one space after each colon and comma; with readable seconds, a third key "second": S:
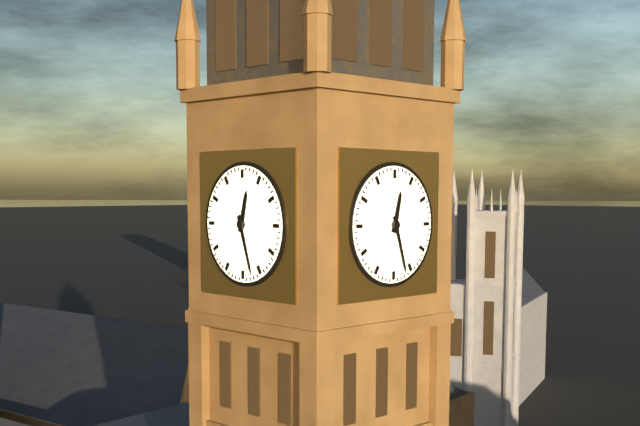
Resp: {"hour": 12, "minute": 27}
